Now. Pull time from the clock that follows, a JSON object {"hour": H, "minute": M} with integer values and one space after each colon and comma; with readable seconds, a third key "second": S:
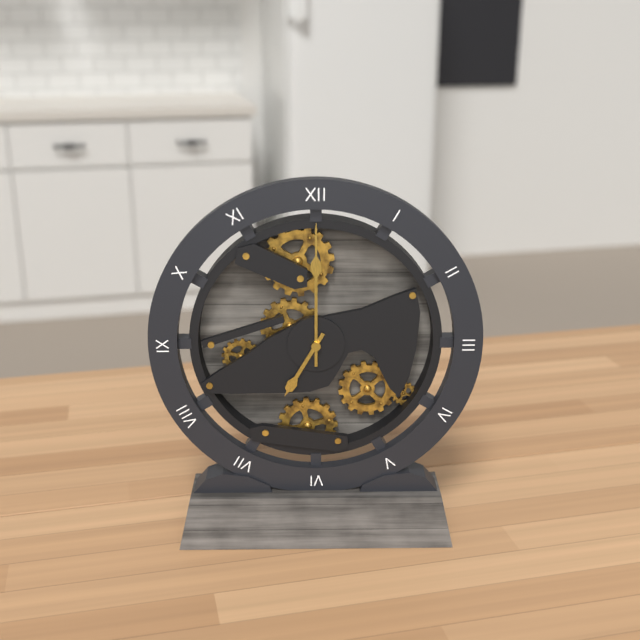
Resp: {"hour": 7, "minute": 0}
